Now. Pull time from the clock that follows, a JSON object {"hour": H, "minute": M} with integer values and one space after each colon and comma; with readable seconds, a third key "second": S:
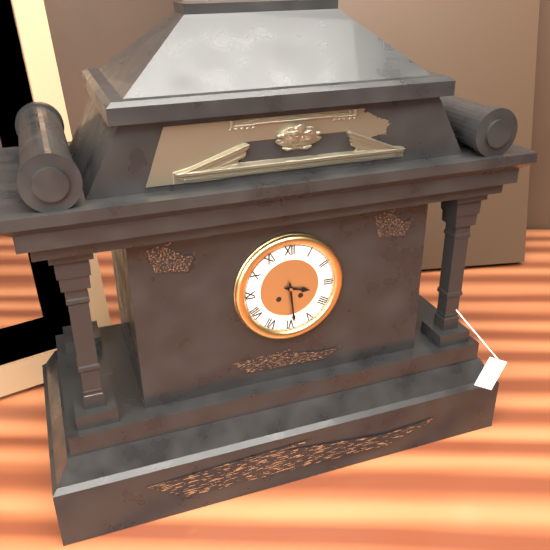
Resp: {"hour": 3, "minute": 29}
